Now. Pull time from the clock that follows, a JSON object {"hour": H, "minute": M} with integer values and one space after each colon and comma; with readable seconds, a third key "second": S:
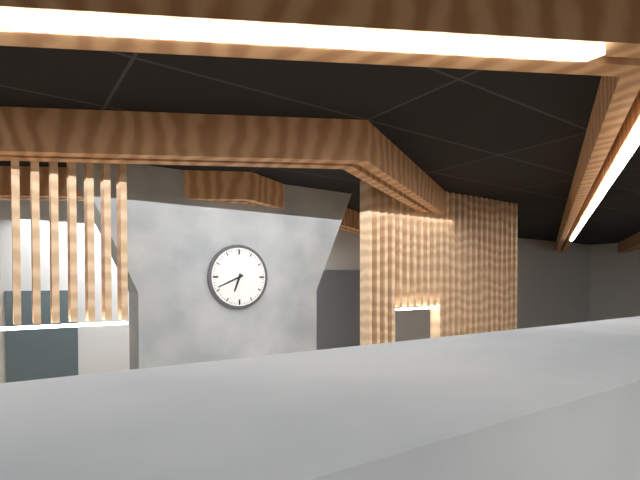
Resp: {"hour": 6, "minute": 41}
